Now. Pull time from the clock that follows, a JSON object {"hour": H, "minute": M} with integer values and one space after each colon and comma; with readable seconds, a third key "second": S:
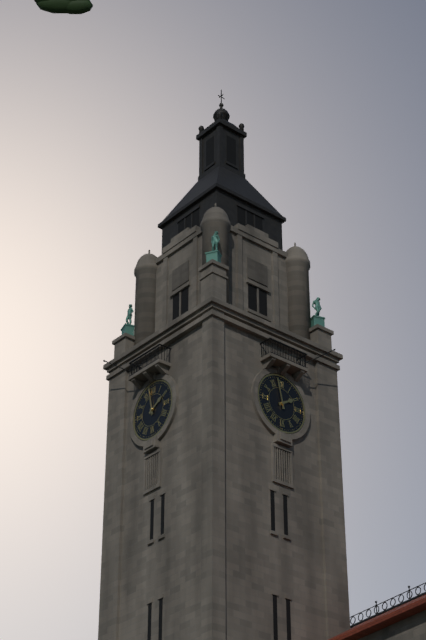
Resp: {"hour": 1, "minute": 58}
